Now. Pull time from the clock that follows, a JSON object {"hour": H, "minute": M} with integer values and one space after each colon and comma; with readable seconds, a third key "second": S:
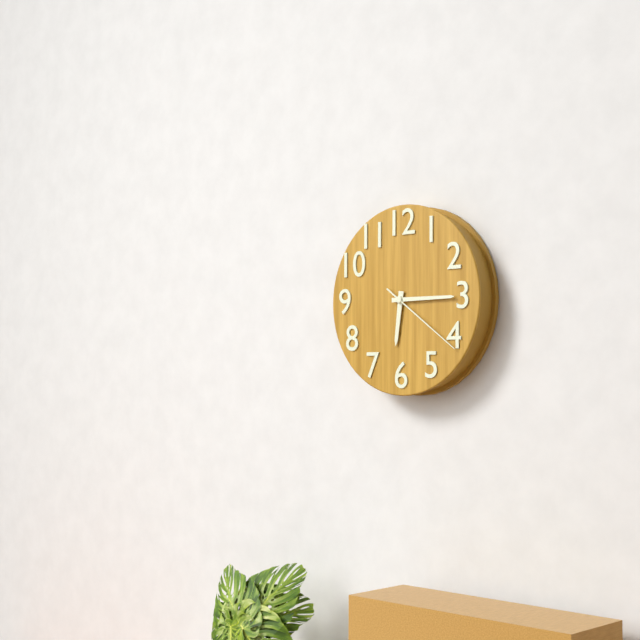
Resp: {"hour": 6, "minute": 15, "second": 21}
